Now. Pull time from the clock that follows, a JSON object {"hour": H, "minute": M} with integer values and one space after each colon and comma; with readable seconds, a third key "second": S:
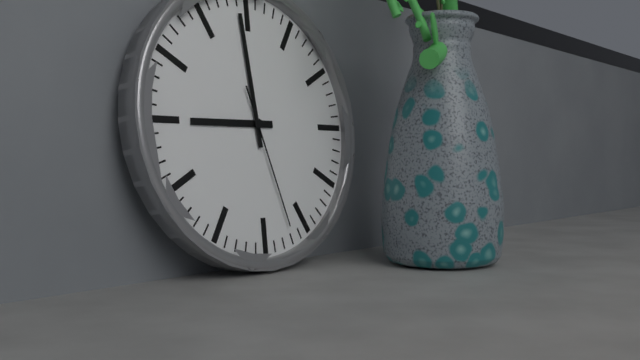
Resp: {"hour": 8, "minute": 59, "second": 27}
